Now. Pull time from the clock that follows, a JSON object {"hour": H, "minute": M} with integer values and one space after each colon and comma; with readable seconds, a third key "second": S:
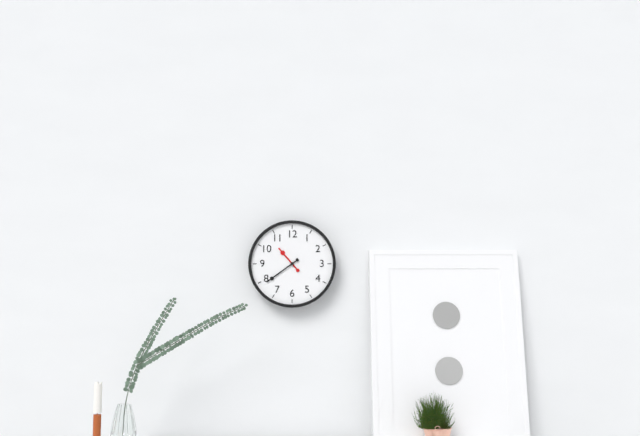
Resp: {"hour": 10, "minute": 39}
